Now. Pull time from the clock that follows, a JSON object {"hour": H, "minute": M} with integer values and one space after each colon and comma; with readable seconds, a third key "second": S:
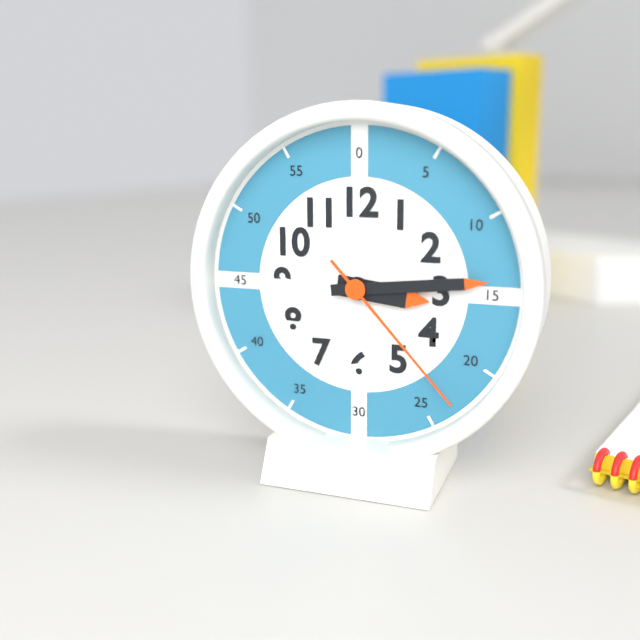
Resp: {"hour": 3, "minute": 14, "second": 23}
